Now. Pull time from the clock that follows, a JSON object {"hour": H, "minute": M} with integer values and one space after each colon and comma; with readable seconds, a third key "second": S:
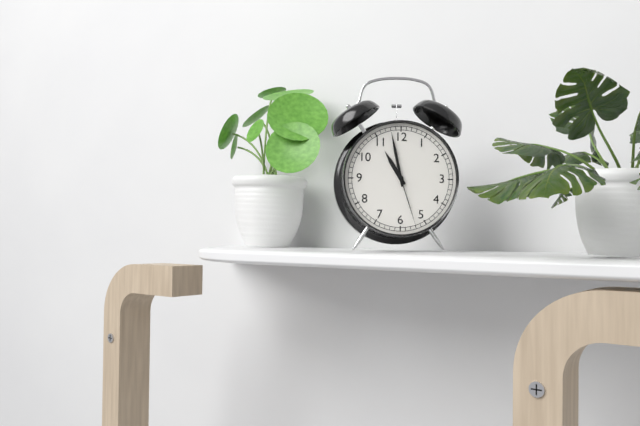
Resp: {"hour": 10, "minute": 58, "second": 27}
